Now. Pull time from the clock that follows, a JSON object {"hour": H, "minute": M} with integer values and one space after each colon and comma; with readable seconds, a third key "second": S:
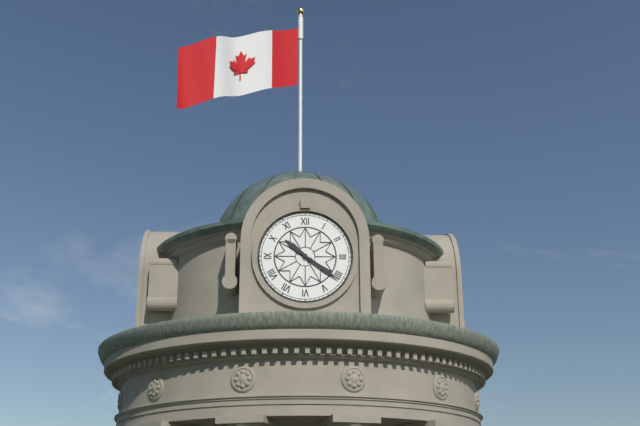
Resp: {"hour": 10, "minute": 21}
